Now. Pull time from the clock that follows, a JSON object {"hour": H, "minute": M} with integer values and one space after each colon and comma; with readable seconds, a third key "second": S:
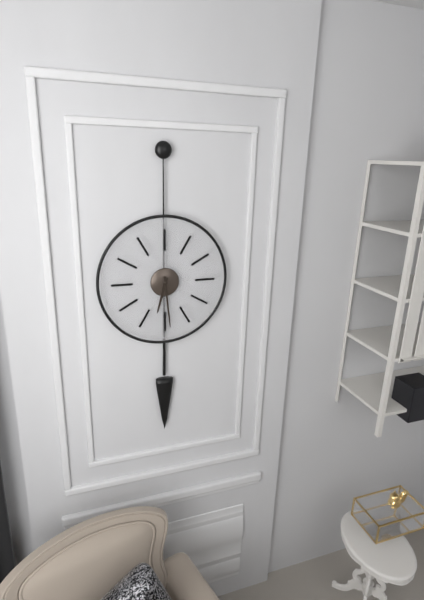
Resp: {"hour": 6, "minute": 29}
